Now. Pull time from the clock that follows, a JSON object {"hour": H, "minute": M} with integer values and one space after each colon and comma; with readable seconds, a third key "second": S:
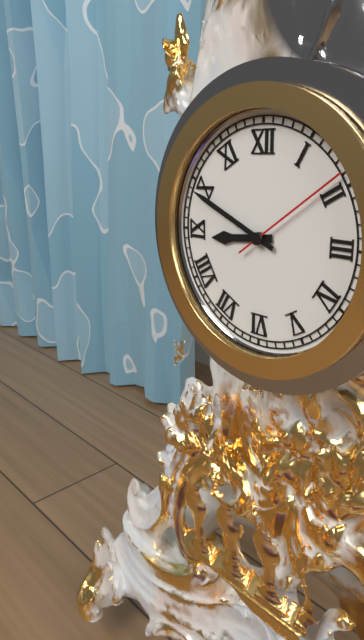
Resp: {"hour": 8, "minute": 49, "second": 9}
